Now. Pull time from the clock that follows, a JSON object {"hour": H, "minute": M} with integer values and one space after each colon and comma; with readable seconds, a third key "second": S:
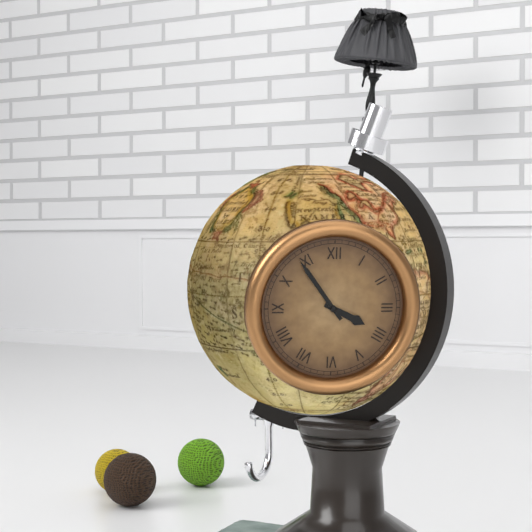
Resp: {"hour": 3, "minute": 54}
